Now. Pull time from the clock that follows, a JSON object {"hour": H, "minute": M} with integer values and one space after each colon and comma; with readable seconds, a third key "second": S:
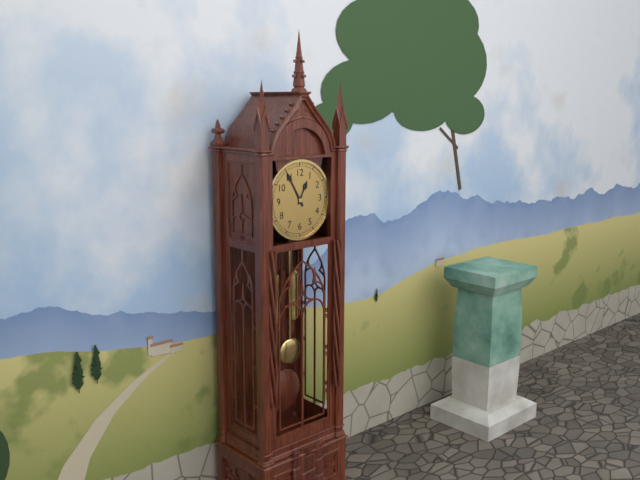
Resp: {"hour": 12, "minute": 55}
